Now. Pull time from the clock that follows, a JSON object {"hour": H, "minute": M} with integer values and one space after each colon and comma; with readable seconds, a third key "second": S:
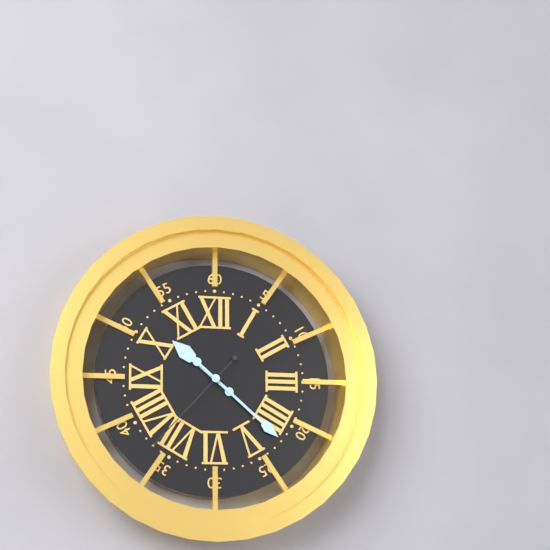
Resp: {"hour": 10, "minute": 22, "second": 37}
